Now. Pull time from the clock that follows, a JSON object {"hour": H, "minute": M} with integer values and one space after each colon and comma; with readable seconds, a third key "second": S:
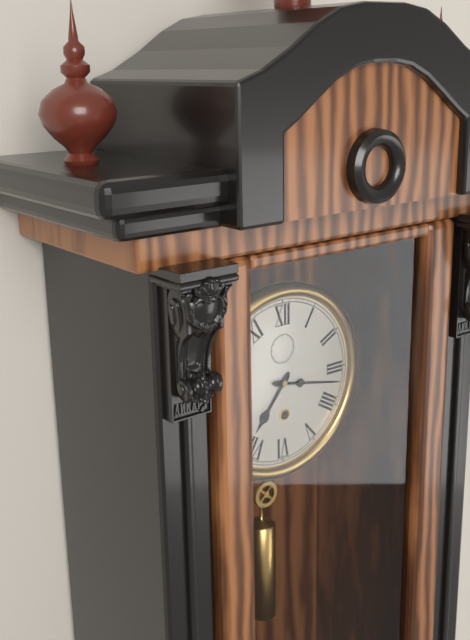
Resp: {"hour": 7, "minute": 17}
